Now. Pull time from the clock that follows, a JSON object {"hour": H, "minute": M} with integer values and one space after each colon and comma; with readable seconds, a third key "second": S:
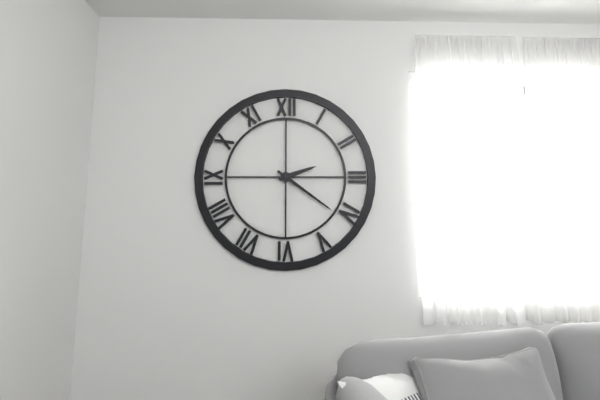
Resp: {"hour": 2, "minute": 21}
